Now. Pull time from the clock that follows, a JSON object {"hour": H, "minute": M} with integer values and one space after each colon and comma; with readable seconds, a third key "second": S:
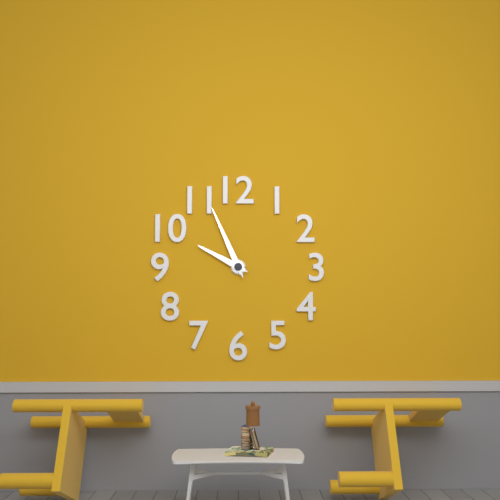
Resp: {"hour": 9, "minute": 56}
